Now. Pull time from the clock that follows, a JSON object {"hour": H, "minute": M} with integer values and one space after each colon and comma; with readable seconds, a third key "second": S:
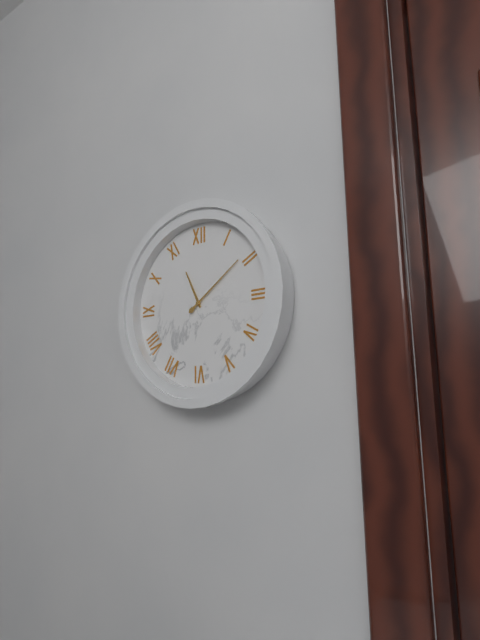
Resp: {"hour": 11, "minute": 9}
